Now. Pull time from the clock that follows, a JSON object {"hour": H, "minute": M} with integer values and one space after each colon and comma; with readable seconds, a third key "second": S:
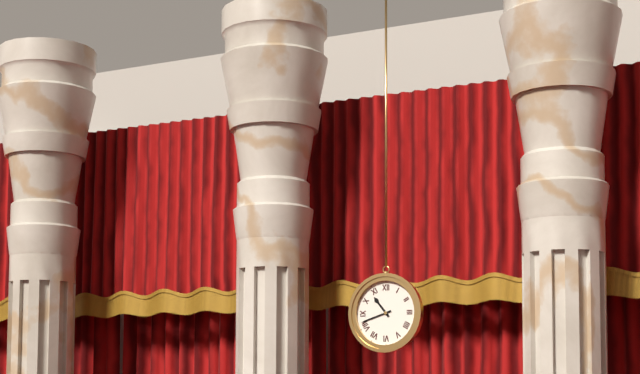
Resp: {"hour": 10, "minute": 42}
